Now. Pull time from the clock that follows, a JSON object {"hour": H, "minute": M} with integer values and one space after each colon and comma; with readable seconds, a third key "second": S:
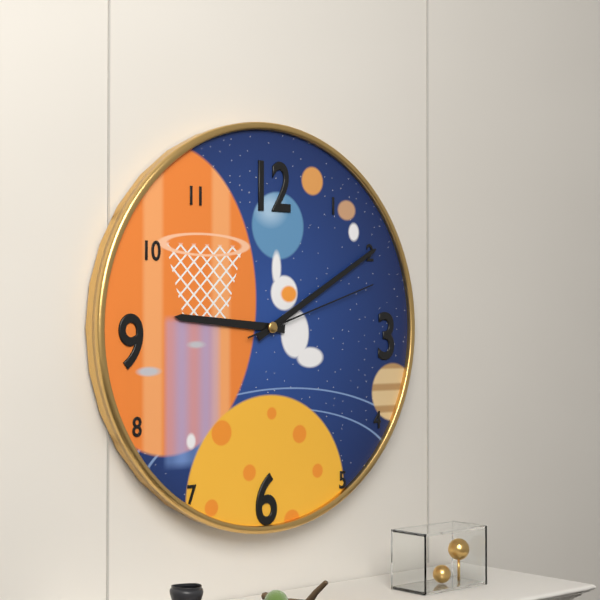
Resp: {"hour": 9, "minute": 10, "second": 12}
